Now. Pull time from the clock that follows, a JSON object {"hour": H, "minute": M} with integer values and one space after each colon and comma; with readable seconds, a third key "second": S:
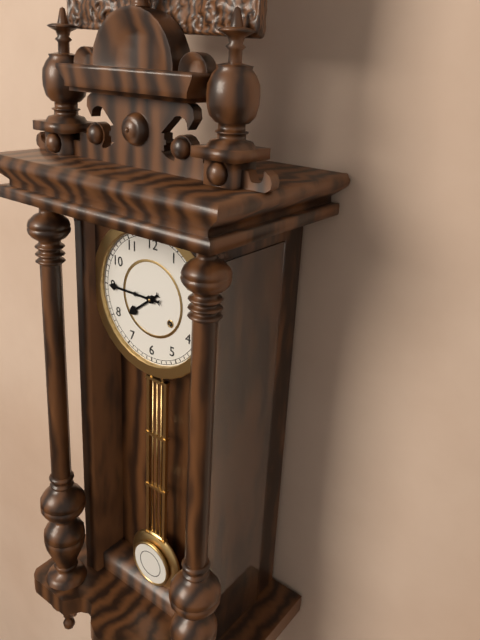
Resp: {"hour": 7, "minute": 45}
